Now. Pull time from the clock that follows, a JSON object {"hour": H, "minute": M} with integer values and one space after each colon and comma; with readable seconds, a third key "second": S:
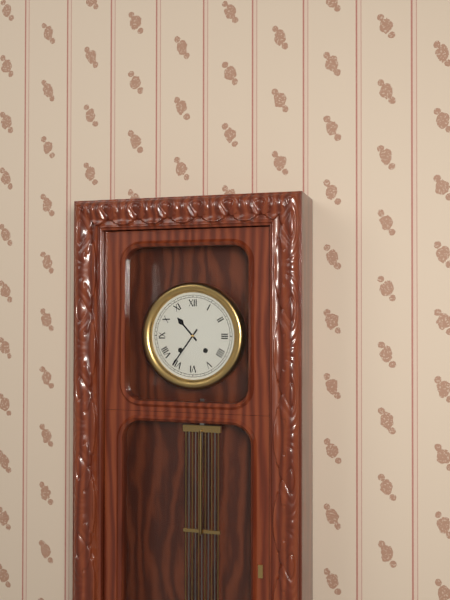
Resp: {"hour": 10, "minute": 36}
